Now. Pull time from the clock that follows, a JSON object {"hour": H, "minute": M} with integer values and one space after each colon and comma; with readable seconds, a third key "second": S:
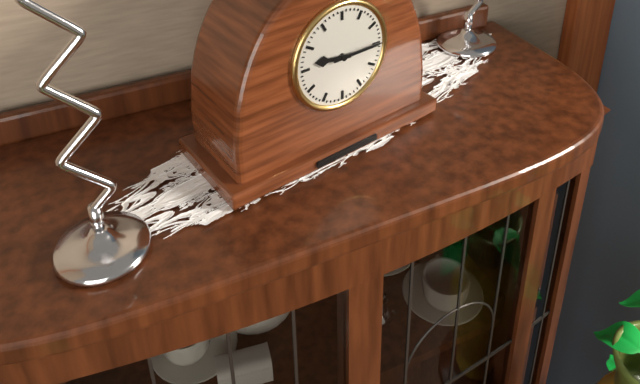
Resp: {"hour": 9, "minute": 15}
